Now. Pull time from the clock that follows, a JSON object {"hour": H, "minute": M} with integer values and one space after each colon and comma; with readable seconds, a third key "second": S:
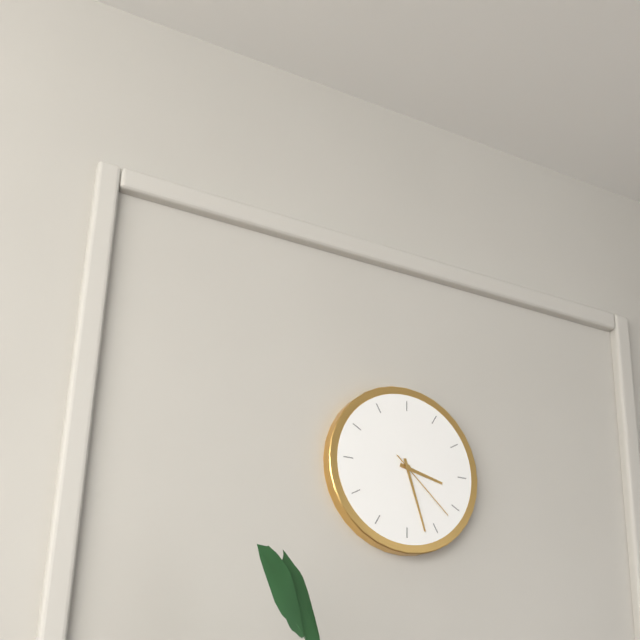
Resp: {"hour": 3, "minute": 27, "second": 22}
